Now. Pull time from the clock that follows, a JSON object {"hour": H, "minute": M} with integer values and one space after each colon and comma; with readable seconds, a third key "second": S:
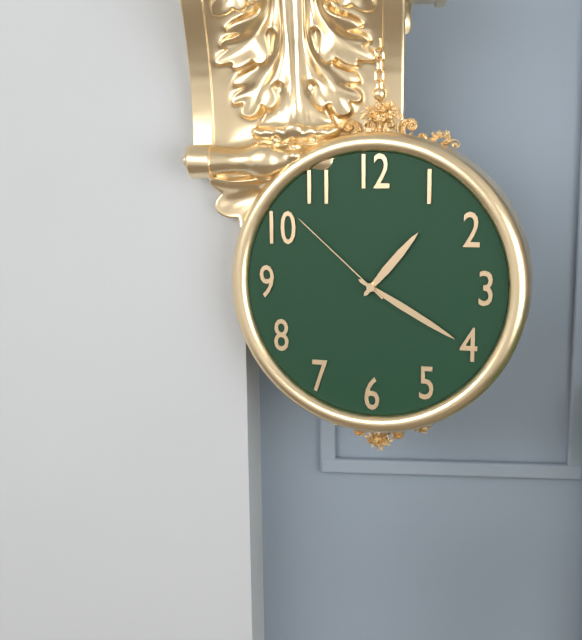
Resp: {"hour": 1, "minute": 20, "second": 52}
